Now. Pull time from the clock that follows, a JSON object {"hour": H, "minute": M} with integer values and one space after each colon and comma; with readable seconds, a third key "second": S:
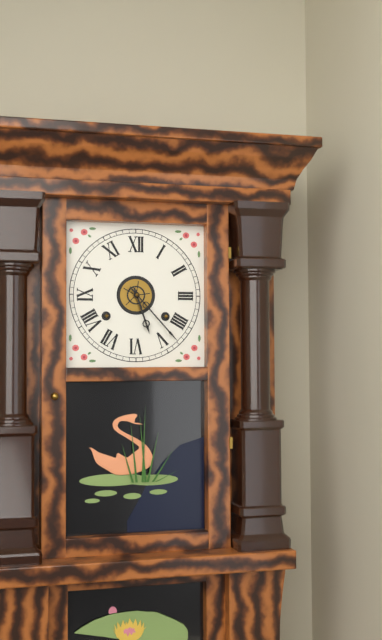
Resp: {"hour": 5, "minute": 23}
